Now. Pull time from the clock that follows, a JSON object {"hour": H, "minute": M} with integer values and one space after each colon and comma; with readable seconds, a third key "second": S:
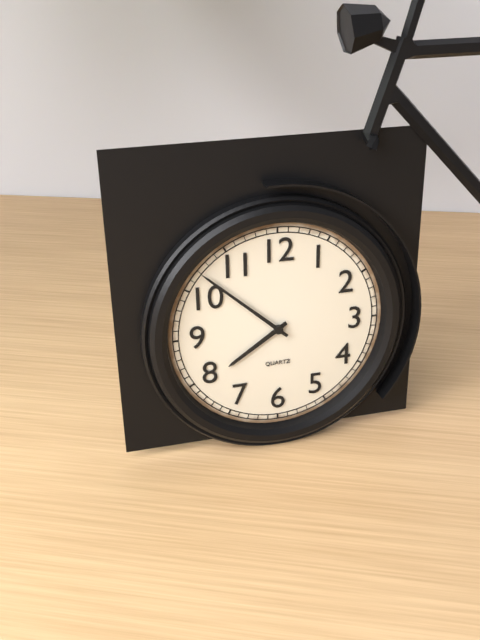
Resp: {"hour": 7, "minute": 52}
